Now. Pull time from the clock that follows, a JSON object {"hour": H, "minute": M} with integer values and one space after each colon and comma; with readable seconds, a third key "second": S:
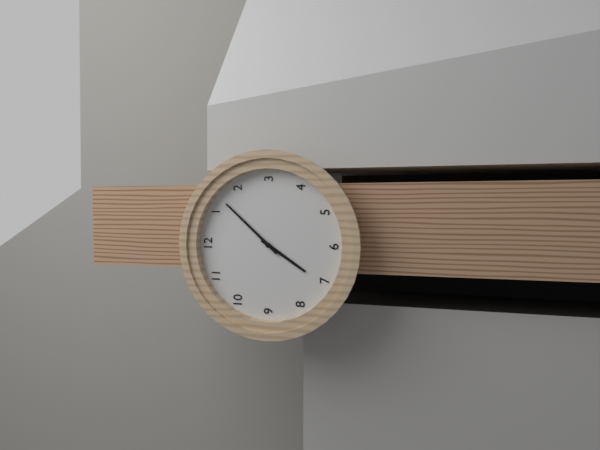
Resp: {"hour": 7, "minute": 7}
